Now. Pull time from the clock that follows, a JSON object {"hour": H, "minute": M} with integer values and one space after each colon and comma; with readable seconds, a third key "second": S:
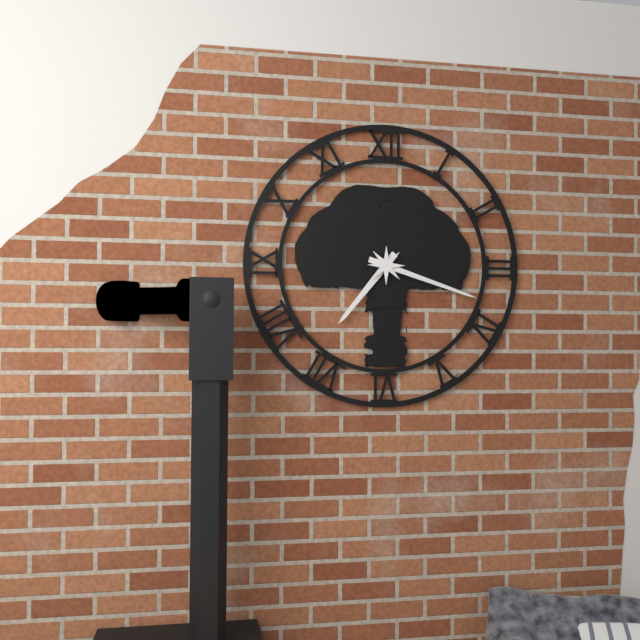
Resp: {"hour": 7, "minute": 18}
